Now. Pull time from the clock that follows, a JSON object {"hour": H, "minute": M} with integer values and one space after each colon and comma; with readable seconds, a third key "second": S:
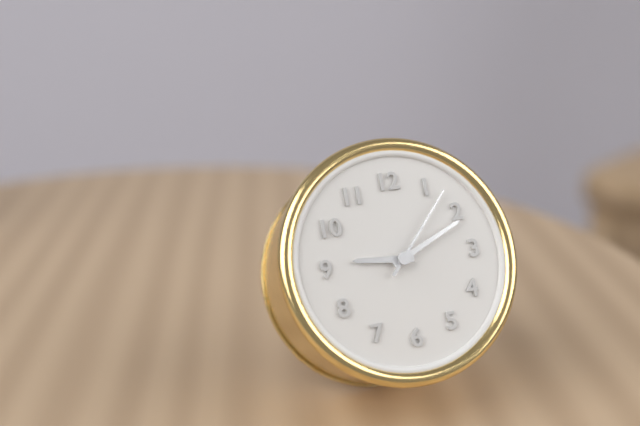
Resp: {"hour": 9, "minute": 11, "second": 7}
